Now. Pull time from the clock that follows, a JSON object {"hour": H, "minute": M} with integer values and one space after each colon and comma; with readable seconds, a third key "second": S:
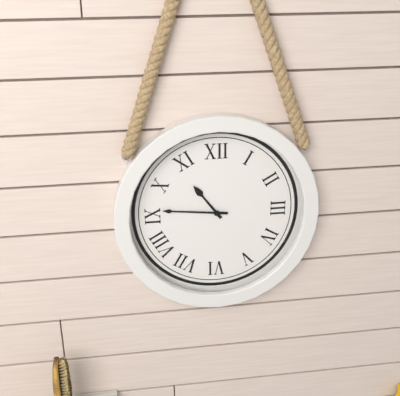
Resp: {"hour": 10, "minute": 46}
